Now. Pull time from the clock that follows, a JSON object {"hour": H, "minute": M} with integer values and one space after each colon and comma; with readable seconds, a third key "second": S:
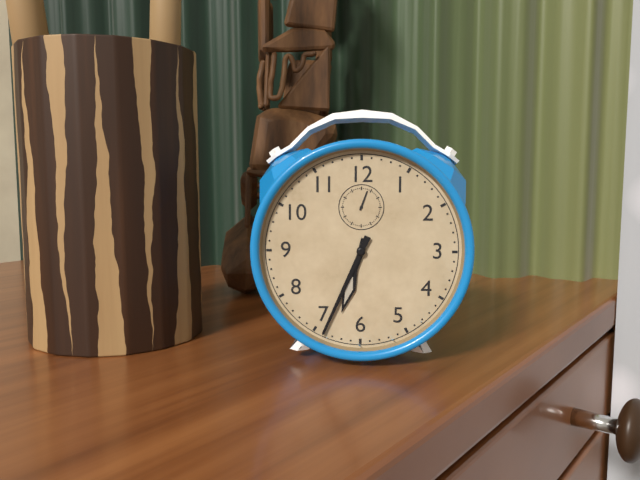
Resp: {"hour": 6, "minute": 34}
